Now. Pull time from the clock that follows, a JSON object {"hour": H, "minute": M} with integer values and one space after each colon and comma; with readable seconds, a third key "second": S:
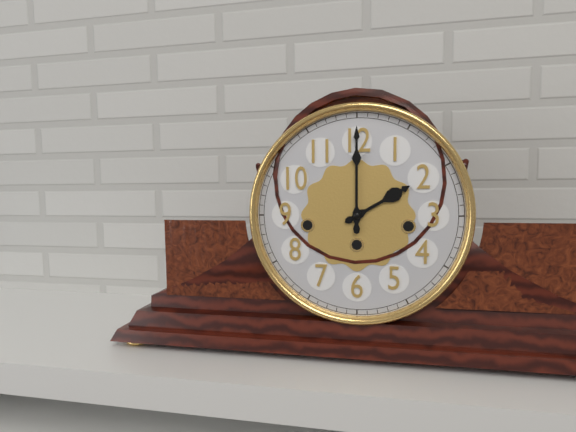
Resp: {"hour": 2, "minute": 0}
